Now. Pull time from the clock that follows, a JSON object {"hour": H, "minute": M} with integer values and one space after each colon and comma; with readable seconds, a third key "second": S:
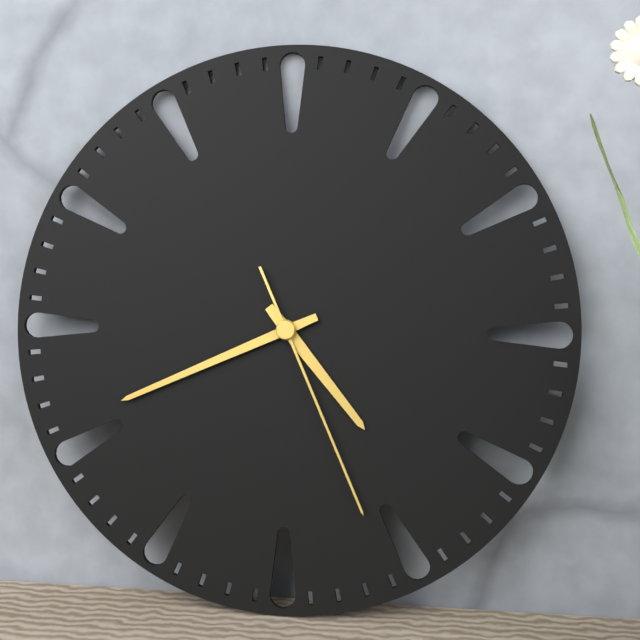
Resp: {"hour": 4, "minute": 41, "second": 26}
